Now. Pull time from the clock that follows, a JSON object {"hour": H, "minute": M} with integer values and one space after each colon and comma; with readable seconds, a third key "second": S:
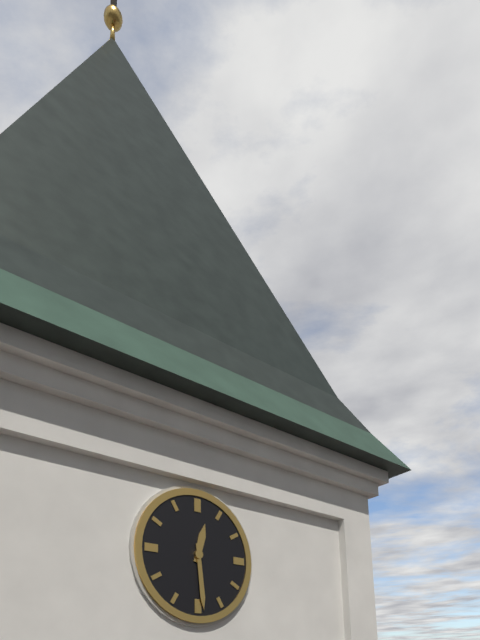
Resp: {"hour": 12, "minute": 29}
